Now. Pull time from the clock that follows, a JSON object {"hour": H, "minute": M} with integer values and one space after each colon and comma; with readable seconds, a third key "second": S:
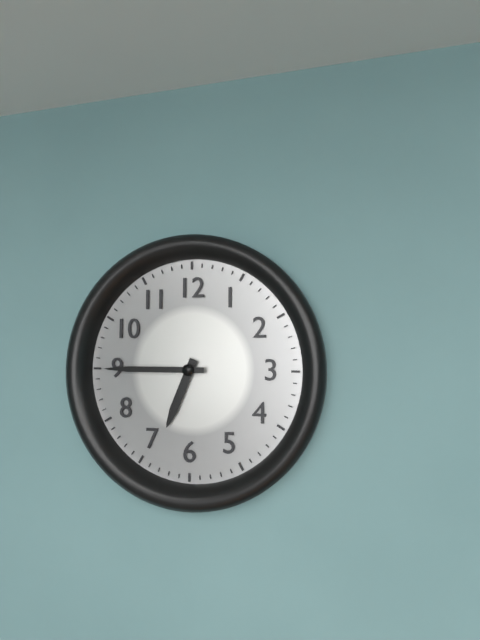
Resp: {"hour": 6, "minute": 45}
